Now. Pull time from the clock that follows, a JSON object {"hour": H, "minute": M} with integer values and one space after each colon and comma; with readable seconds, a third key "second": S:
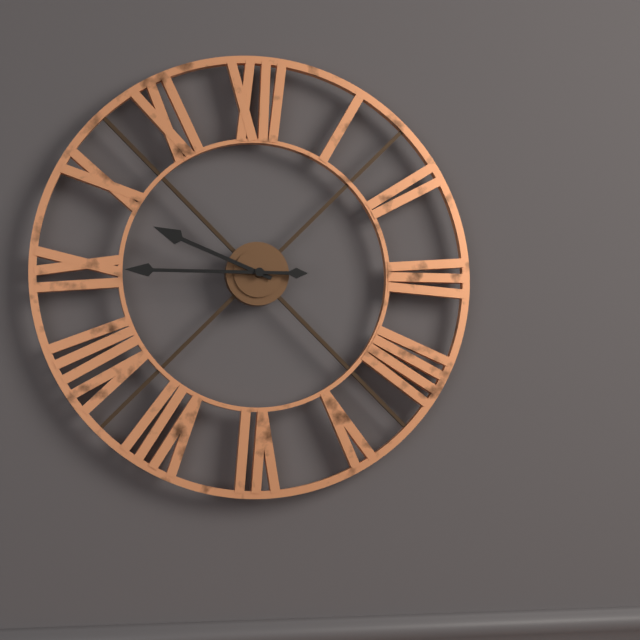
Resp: {"hour": 9, "minute": 45}
